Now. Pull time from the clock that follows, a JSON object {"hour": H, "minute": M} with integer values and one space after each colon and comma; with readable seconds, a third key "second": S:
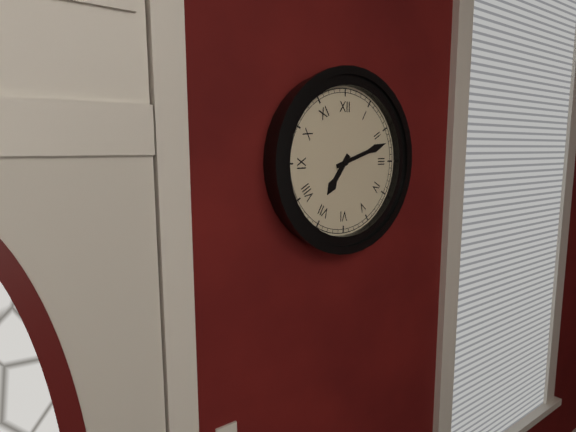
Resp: {"hour": 7, "minute": 12}
